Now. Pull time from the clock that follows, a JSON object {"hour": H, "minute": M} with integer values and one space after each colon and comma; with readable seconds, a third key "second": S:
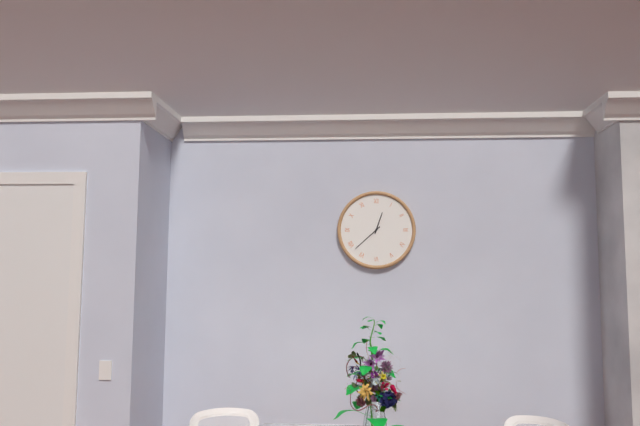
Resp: {"hour": 12, "minute": 38}
